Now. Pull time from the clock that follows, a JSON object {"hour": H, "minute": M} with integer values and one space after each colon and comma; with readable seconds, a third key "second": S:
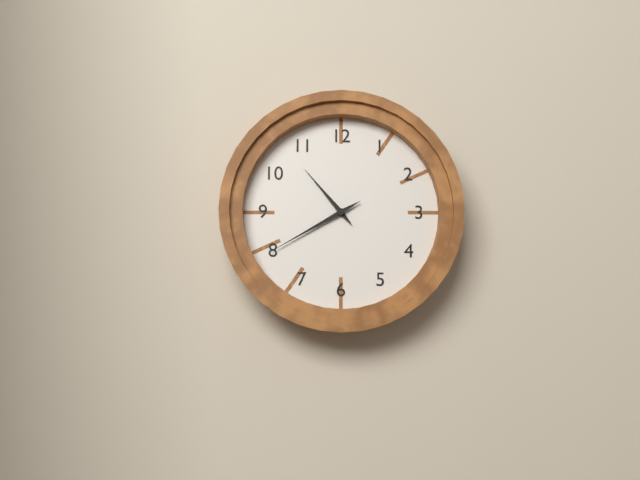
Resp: {"hour": 10, "minute": 40}
